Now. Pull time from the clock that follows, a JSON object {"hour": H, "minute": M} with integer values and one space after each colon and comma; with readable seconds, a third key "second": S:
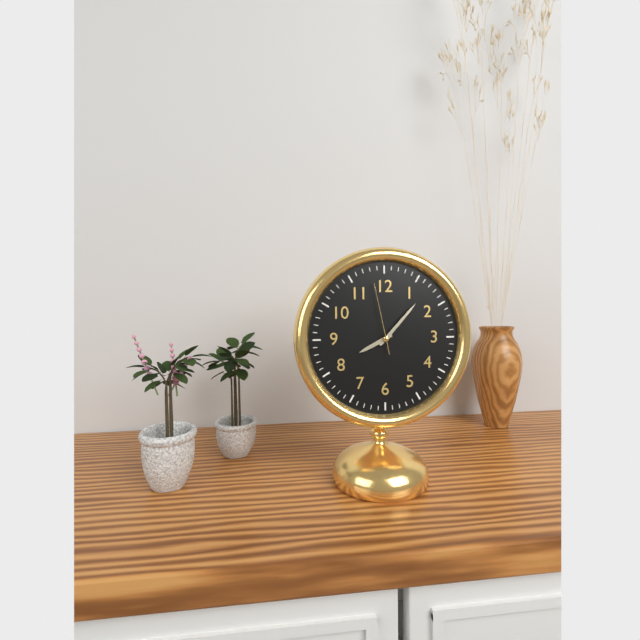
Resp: {"hour": 8, "minute": 7, "second": 58}
